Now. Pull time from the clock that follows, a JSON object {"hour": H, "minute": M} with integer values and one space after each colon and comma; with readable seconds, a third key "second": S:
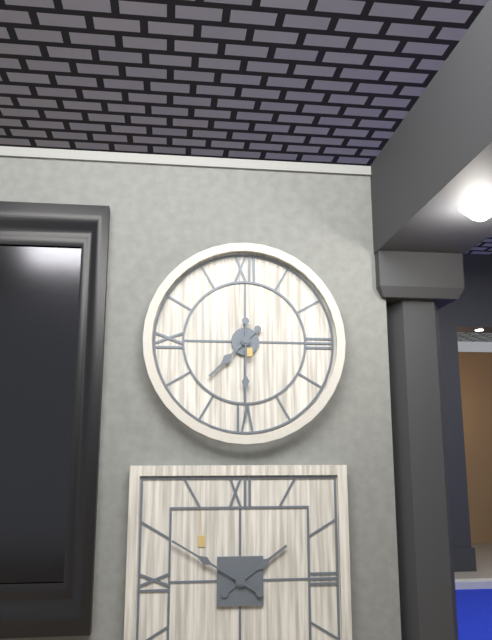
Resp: {"hour": 7, "minute": 30}
